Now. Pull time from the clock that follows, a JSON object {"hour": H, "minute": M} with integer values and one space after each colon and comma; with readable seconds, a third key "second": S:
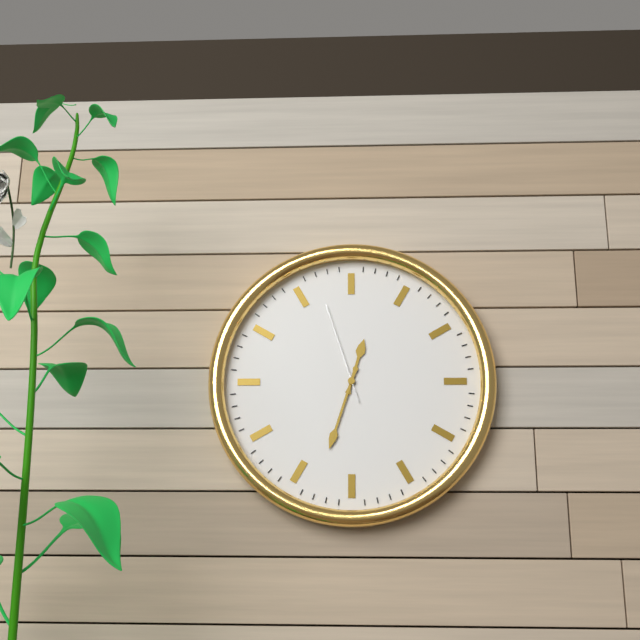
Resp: {"hour": 12, "minute": 33, "second": 57}
